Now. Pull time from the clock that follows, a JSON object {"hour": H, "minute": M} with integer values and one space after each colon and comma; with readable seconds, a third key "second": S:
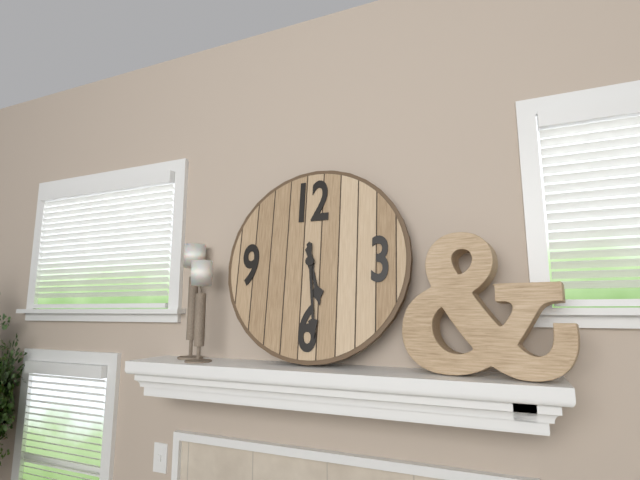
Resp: {"hour": 5, "minute": 29}
